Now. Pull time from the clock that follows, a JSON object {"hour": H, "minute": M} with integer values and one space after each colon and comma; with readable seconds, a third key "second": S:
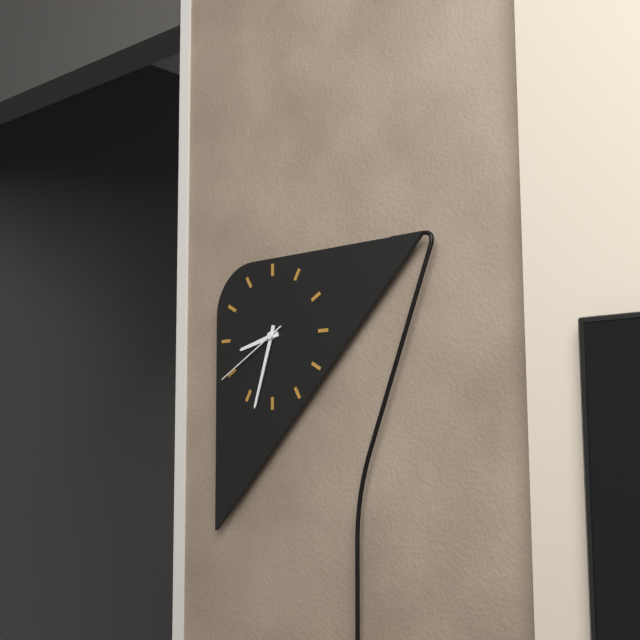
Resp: {"hour": 8, "minute": 33, "second": 40}
